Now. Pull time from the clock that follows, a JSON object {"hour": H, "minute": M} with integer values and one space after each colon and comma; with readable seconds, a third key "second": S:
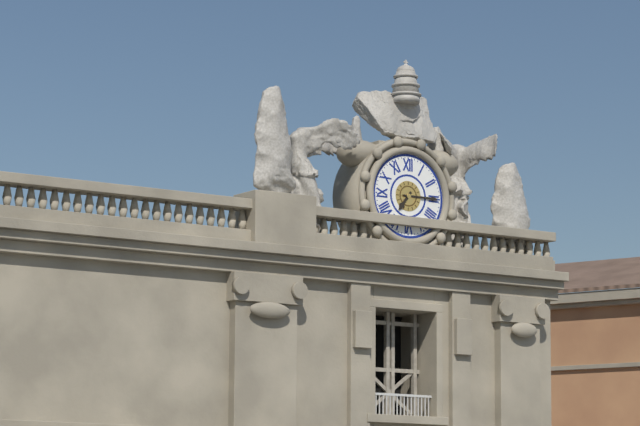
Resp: {"hour": 7, "minute": 15}
